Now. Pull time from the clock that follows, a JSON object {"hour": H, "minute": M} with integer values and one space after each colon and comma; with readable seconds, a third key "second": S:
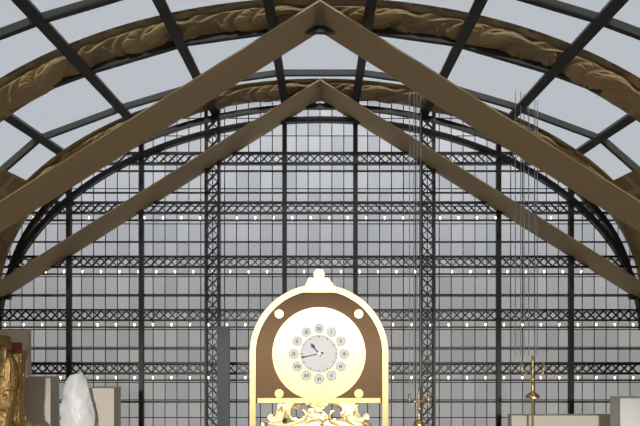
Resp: {"hour": 10, "minute": 43}
